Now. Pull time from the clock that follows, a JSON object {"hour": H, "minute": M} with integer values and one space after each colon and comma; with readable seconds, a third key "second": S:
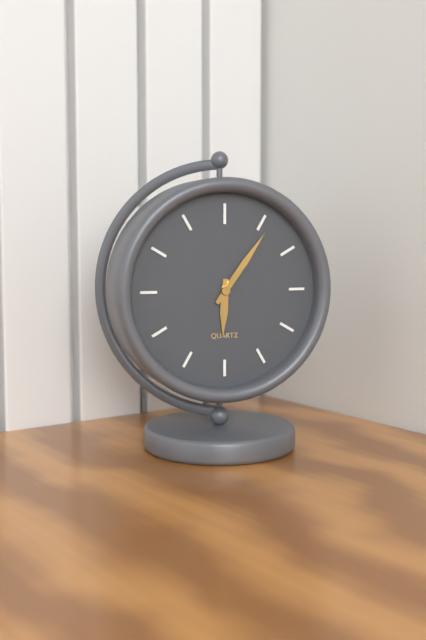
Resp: {"hour": 6, "minute": 6}
